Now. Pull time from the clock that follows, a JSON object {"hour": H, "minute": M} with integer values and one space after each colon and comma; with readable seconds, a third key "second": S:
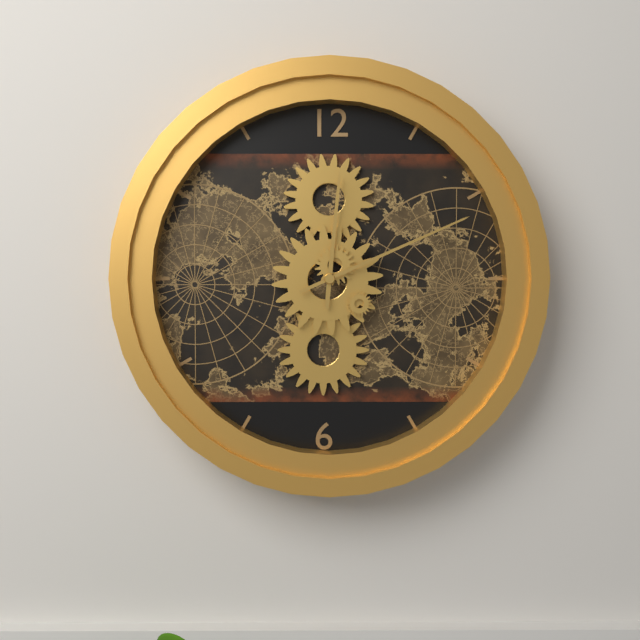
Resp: {"hour": 12, "minute": 11}
